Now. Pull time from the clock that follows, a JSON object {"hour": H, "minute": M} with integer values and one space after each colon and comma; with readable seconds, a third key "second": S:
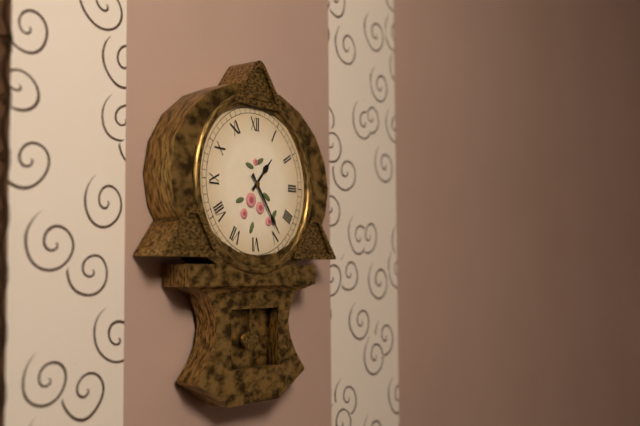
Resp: {"hour": 1, "minute": 24}
